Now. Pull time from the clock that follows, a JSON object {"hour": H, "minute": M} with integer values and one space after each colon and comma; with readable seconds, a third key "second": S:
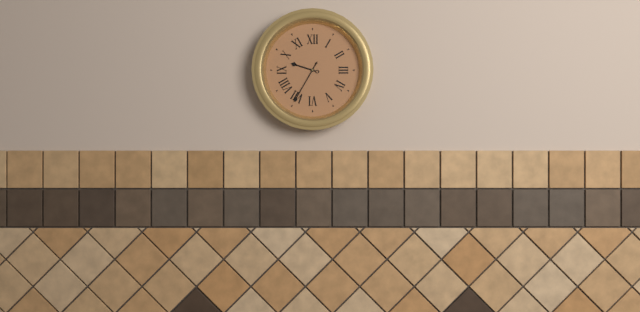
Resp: {"hour": 9, "minute": 35}
